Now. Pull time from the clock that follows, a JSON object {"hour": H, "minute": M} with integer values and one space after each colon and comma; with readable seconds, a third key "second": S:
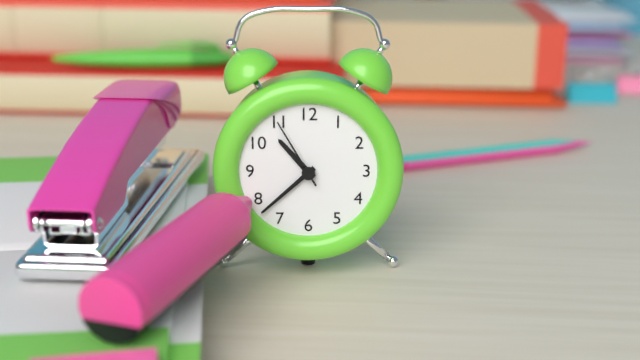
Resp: {"hour": 10, "minute": 38, "second": 55}
